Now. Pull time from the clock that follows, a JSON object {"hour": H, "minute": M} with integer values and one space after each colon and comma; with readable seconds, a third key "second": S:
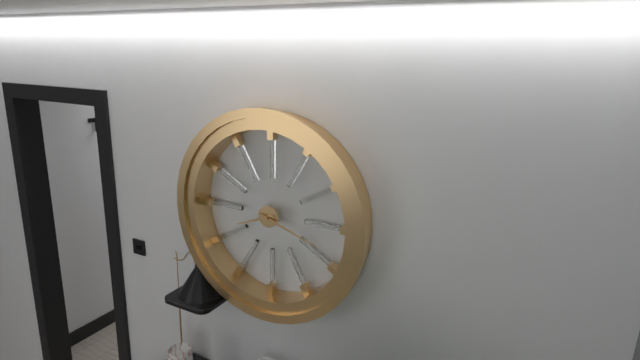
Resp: {"hour": 8, "minute": 18}
